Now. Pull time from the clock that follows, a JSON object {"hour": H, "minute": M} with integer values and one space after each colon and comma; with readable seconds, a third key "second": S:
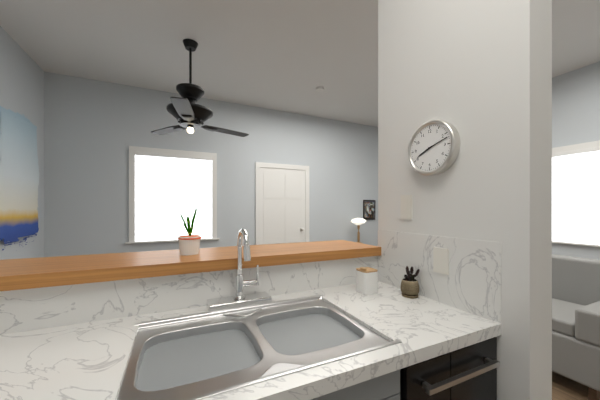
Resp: {"hour": 8, "minute": 12}
